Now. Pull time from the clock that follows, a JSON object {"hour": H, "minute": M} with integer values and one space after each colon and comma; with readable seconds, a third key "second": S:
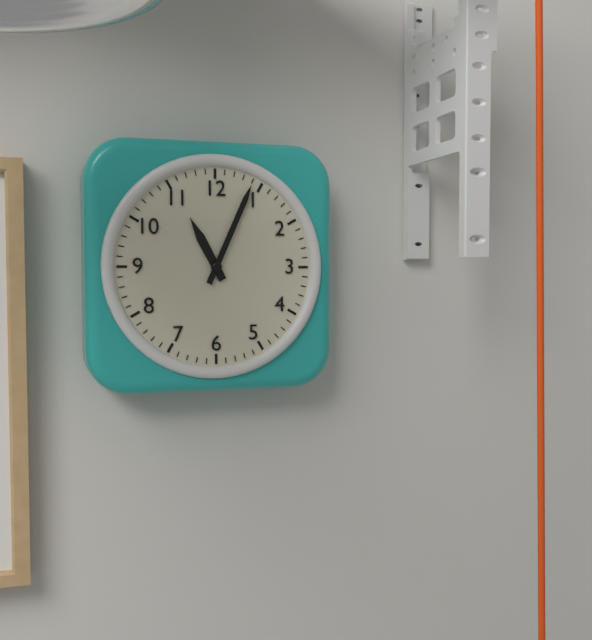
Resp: {"hour": 11, "minute": 4}
